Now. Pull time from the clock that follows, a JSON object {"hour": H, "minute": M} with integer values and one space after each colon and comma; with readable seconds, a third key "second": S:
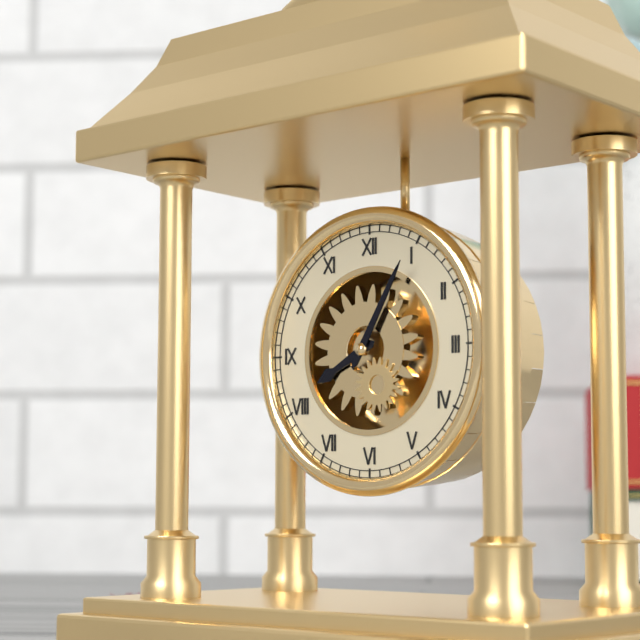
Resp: {"hour": 8, "minute": 5}
